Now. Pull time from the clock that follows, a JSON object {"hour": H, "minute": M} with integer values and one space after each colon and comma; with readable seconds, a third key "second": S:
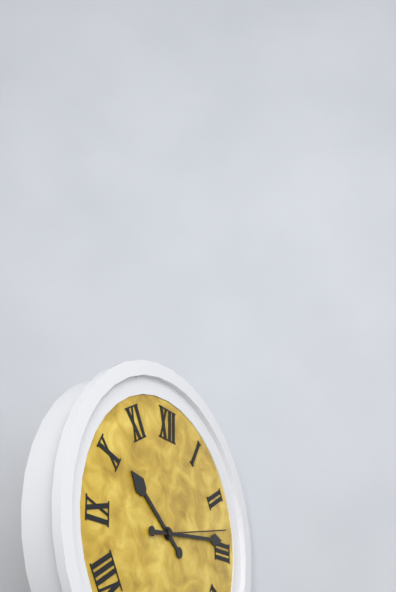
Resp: {"hour": 10, "minute": 14, "second": 13}
